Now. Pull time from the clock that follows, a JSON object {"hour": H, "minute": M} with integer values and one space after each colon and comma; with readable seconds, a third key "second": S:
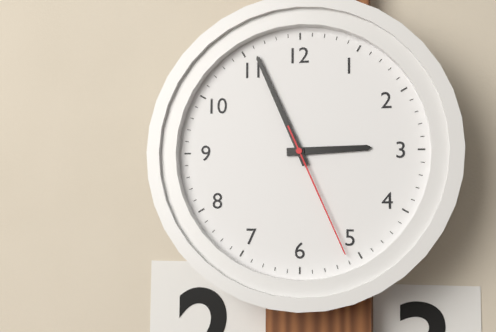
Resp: {"hour": 2, "minute": 56, "second": 26}
